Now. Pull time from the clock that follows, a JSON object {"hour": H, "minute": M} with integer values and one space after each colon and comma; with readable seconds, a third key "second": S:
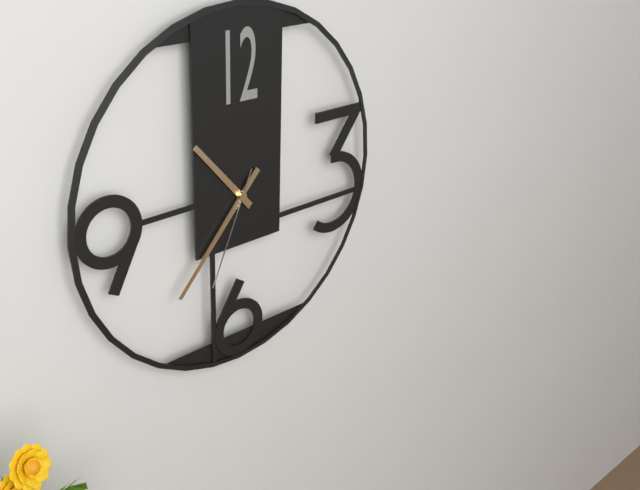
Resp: {"hour": 10, "minute": 37, "second": 34}
